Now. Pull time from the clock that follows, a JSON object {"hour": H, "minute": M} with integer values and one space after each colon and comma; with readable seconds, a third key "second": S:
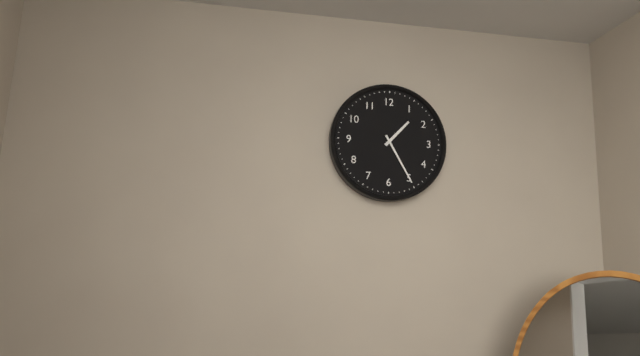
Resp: {"hour": 1, "minute": 25}
